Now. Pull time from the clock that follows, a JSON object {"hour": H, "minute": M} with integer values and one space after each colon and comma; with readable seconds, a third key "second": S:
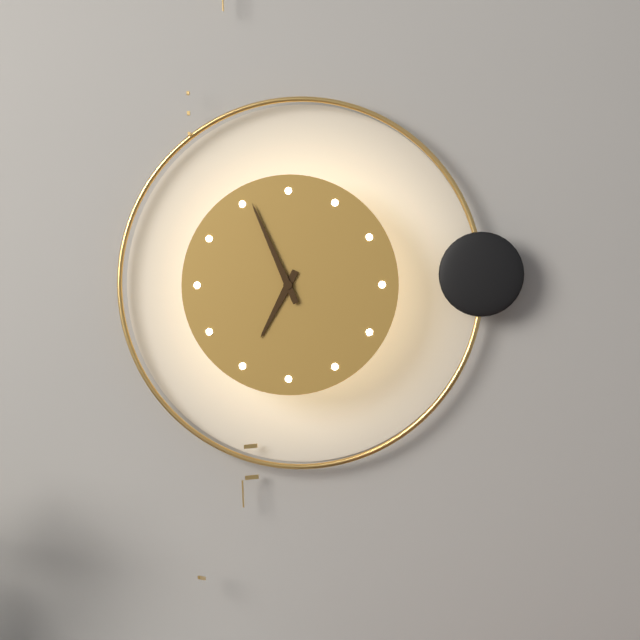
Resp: {"hour": 6, "minute": 56}
